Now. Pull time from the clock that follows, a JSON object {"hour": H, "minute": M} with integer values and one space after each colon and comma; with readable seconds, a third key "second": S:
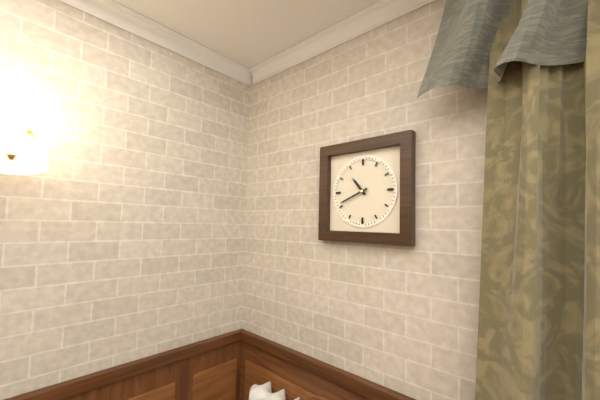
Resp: {"hour": 10, "minute": 41}
